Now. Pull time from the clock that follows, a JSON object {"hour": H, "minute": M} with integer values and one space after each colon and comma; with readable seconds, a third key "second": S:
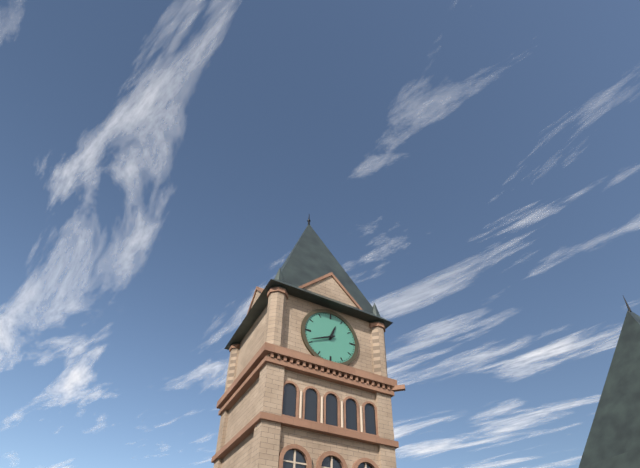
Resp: {"hour": 12, "minute": 41}
